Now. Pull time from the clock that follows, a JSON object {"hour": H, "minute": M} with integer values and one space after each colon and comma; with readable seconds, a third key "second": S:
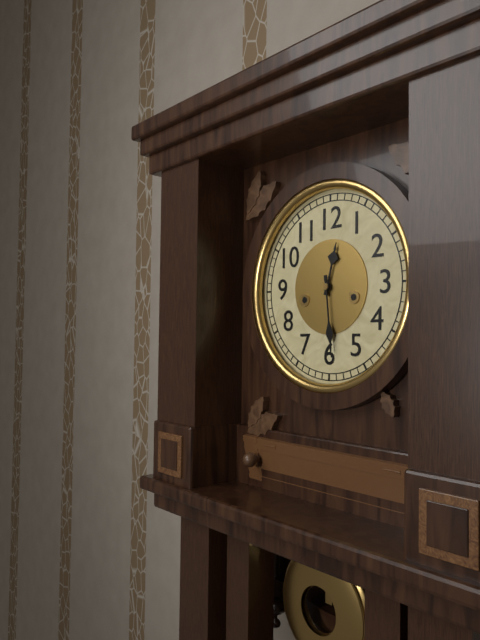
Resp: {"hour": 12, "minute": 29}
